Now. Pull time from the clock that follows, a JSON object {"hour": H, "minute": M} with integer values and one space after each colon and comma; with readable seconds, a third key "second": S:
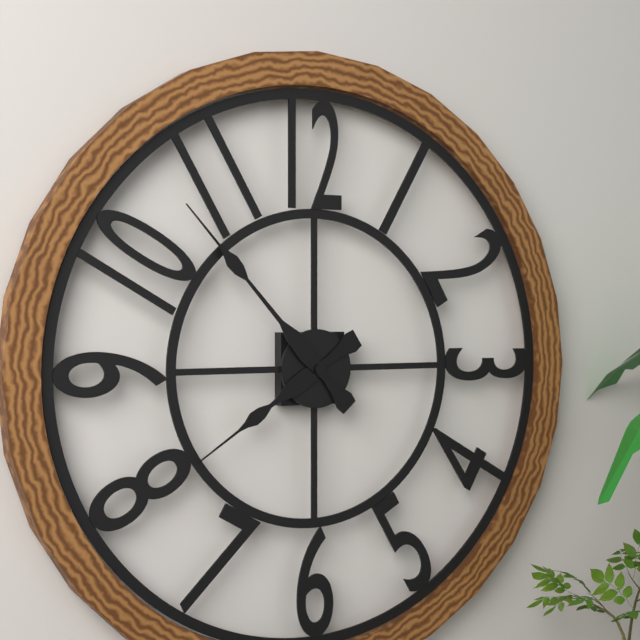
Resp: {"hour": 7, "minute": 53}
